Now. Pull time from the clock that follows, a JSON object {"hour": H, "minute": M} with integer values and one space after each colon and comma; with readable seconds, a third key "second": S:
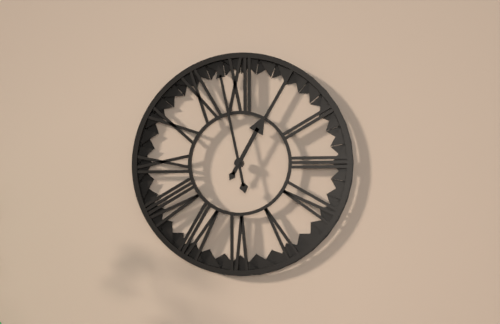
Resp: {"hour": 12, "minute": 58}
